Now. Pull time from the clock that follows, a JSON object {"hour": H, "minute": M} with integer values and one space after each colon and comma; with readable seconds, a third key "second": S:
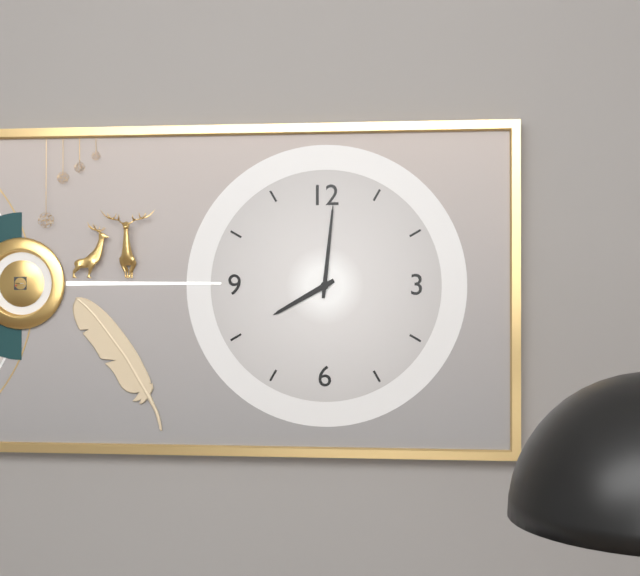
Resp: {"hour": 8, "minute": 1}
